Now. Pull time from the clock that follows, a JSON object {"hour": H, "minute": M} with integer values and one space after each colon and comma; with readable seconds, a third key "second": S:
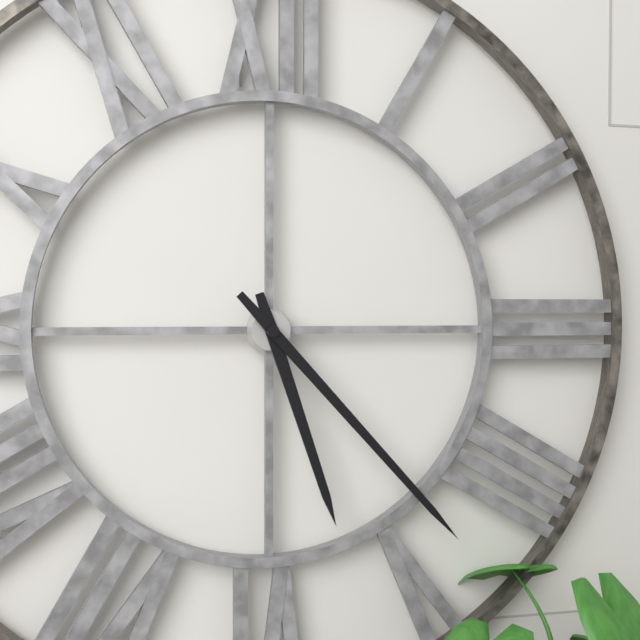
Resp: {"hour": 5, "minute": 23}
